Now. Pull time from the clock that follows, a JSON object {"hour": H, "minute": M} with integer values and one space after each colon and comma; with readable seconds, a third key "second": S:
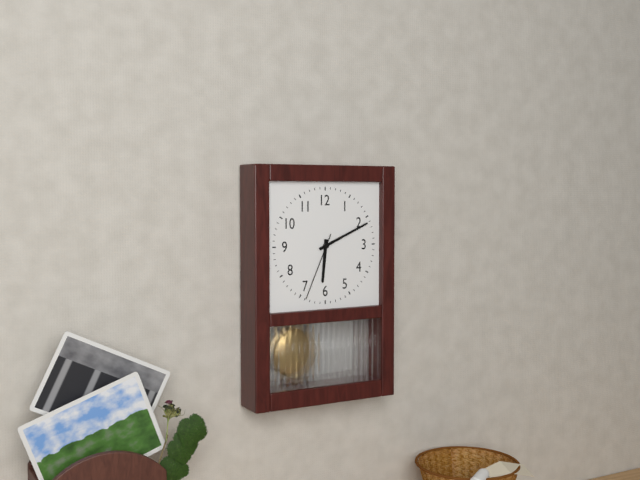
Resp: {"hour": 6, "minute": 11, "second": 34}
